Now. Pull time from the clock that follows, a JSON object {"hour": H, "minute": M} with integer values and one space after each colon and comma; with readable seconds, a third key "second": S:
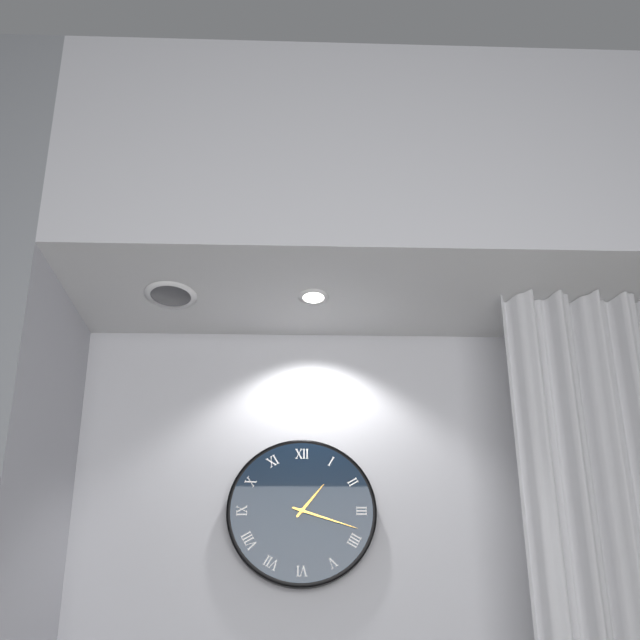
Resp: {"hour": 1, "minute": 18}
